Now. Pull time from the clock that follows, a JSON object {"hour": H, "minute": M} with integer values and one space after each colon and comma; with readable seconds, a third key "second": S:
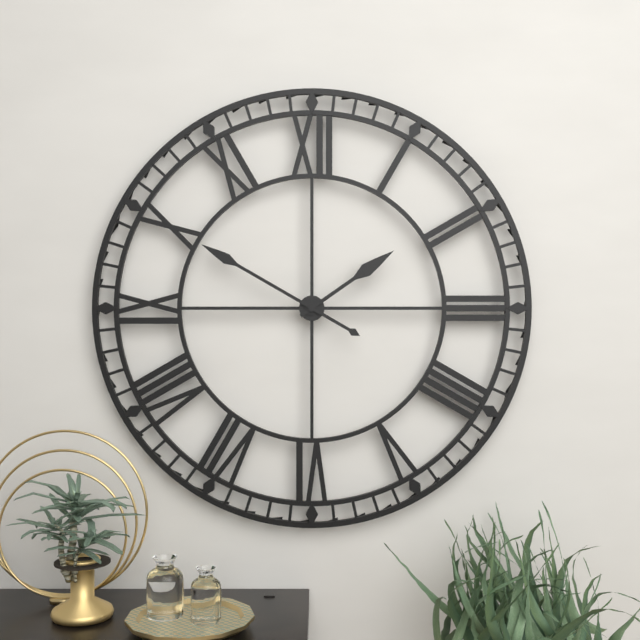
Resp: {"hour": 1, "minute": 50}
